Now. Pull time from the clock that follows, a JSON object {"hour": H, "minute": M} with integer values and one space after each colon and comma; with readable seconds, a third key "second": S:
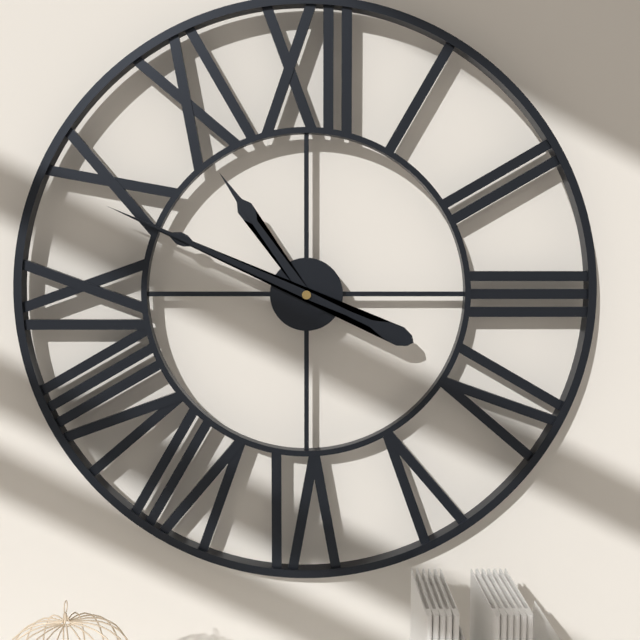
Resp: {"hour": 10, "minute": 49}
